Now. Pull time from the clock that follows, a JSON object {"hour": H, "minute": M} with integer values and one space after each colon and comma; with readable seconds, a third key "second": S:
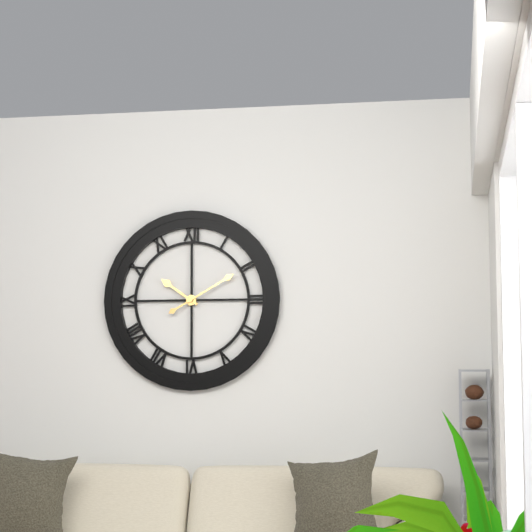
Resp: {"hour": 10, "minute": 10}
